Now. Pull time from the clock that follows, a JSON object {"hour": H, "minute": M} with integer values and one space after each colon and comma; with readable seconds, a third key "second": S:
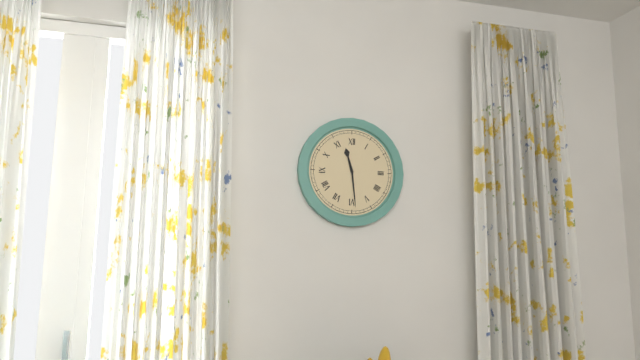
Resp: {"hour": 11, "minute": 29}
